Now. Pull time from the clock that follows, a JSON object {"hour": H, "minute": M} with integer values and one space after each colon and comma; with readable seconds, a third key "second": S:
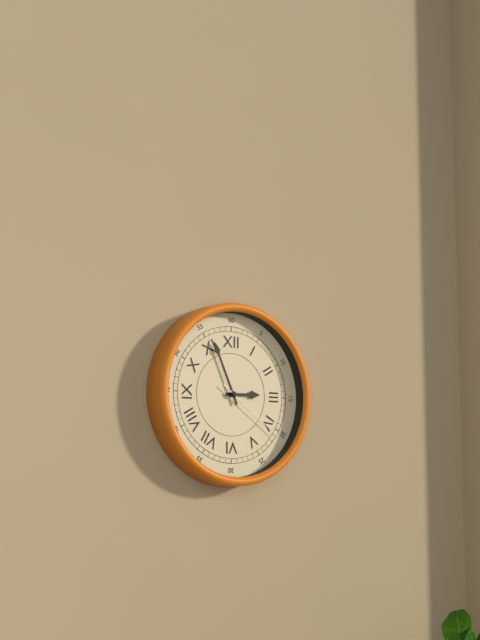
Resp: {"hour": 2, "minute": 56, "second": 21}
